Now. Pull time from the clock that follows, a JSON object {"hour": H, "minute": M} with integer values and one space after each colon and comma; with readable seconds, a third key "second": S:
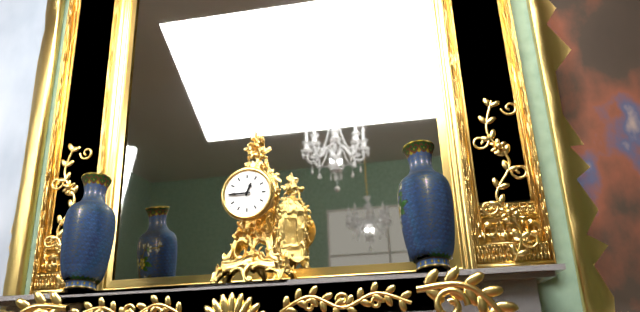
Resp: {"hour": 12, "minute": 45}
